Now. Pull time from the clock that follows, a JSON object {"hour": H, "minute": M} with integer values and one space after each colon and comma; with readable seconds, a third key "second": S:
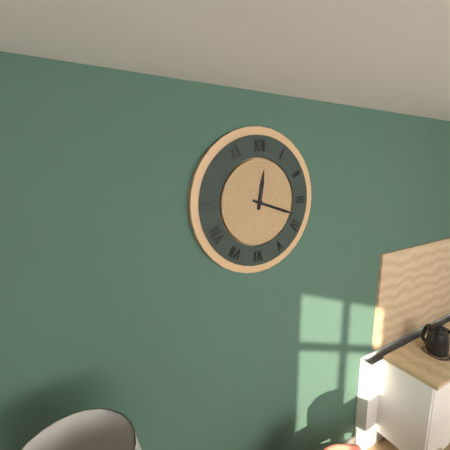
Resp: {"hour": 12, "minute": 18}
